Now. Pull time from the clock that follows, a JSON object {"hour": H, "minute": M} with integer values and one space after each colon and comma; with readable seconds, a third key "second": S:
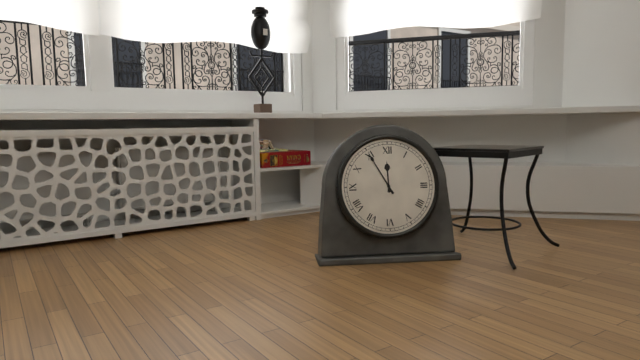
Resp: {"hour": 11, "minute": 55}
